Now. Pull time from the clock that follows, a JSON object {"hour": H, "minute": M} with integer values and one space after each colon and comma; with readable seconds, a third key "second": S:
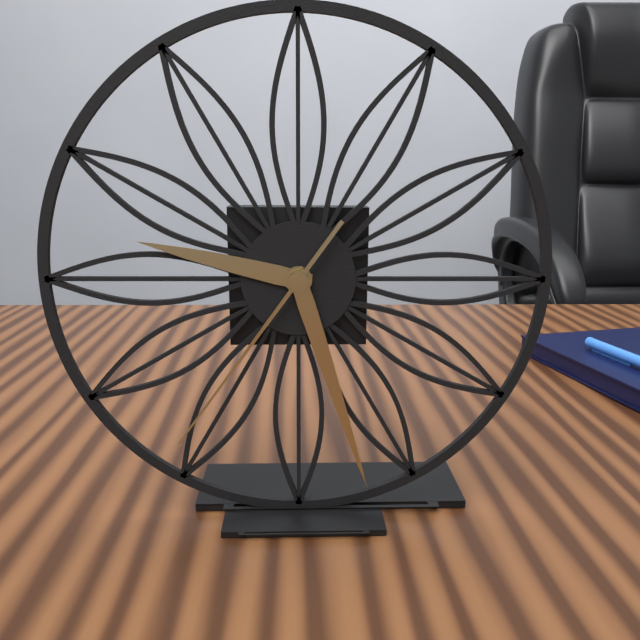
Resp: {"hour": 9, "minute": 27, "second": 36}
